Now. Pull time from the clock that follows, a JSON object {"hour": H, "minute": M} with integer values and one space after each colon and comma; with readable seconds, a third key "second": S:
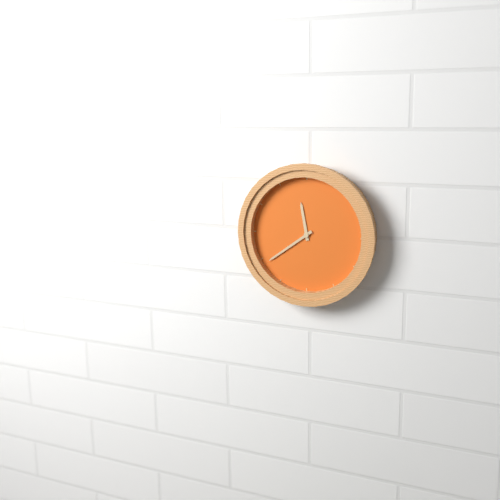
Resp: {"hour": 11, "minute": 39}
